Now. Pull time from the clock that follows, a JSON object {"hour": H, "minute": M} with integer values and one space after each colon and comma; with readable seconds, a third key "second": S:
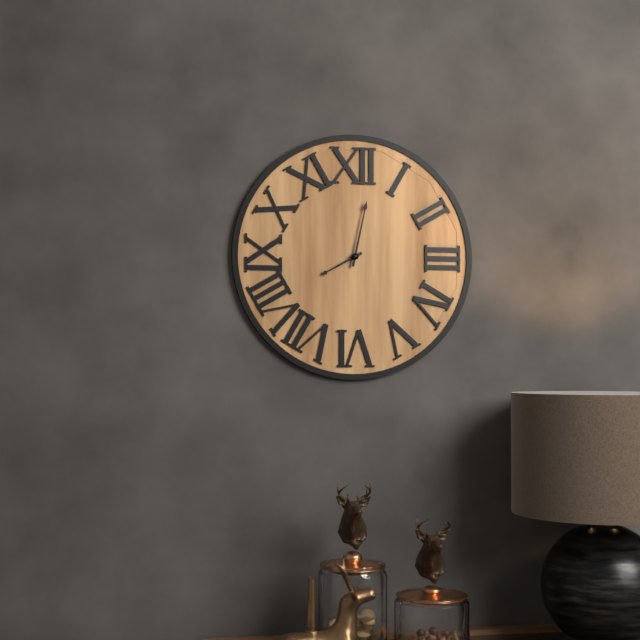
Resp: {"hour": 8, "minute": 2}
